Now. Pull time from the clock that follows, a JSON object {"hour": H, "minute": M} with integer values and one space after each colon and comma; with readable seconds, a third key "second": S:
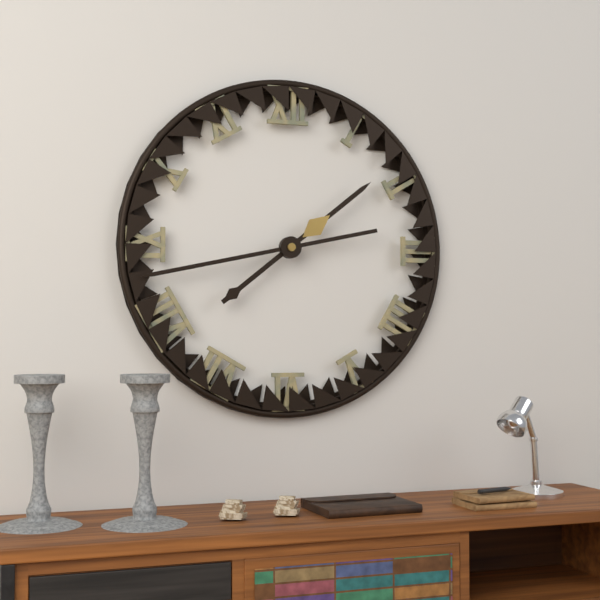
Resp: {"hour": 1, "minute": 43}
